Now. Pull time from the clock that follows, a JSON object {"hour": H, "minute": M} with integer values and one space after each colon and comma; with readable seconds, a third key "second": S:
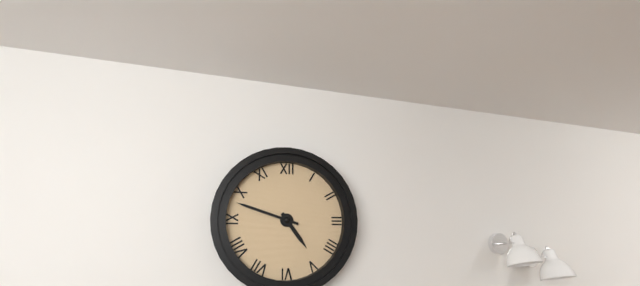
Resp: {"hour": 4, "minute": 48}
